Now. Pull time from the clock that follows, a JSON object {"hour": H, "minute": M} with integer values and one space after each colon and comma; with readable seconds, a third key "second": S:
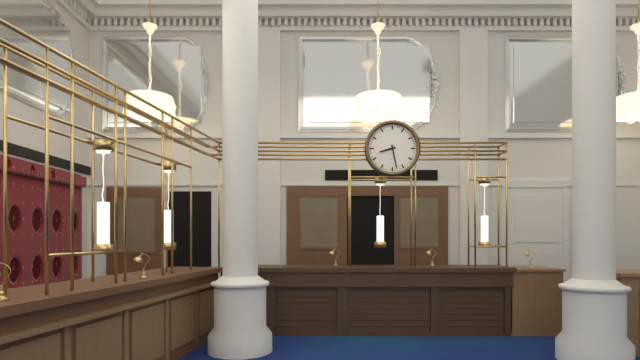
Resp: {"hour": 8, "minute": 28}
